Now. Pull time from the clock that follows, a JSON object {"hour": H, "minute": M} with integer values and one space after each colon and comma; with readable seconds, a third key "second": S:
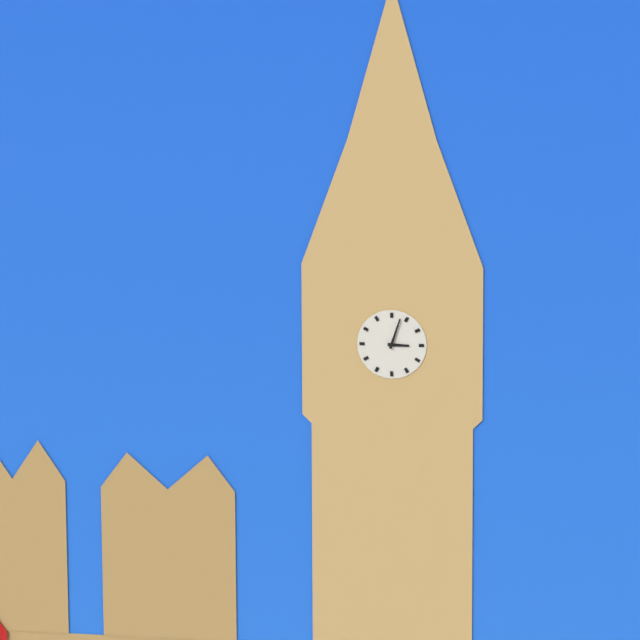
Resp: {"hour": 3, "minute": 3}
